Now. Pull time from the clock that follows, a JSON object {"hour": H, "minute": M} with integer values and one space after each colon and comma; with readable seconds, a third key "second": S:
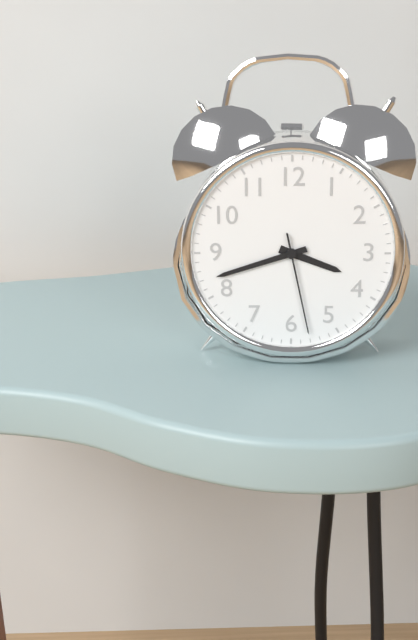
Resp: {"hour": 3, "minute": 42, "second": 28}
